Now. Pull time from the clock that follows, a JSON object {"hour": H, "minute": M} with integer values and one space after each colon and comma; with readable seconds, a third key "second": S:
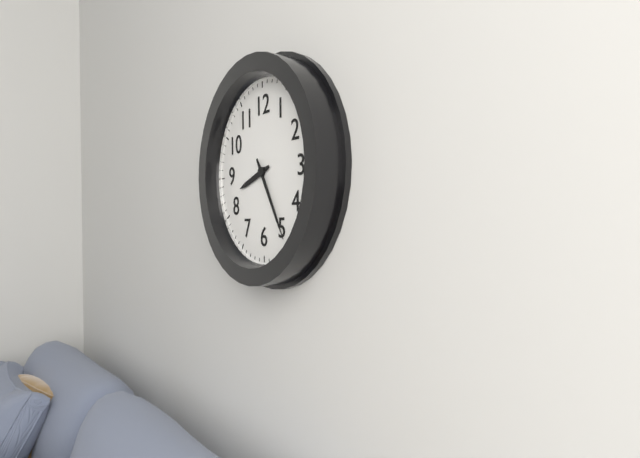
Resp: {"hour": 8, "minute": 25}
